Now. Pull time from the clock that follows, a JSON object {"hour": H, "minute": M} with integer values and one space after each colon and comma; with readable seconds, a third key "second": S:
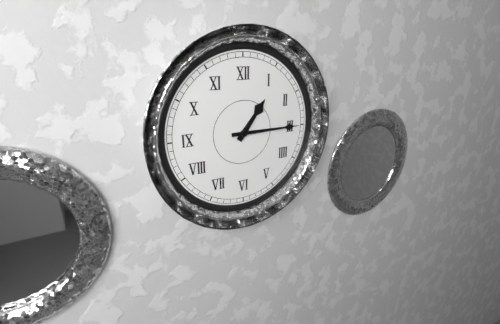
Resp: {"hour": 1, "minute": 15}
